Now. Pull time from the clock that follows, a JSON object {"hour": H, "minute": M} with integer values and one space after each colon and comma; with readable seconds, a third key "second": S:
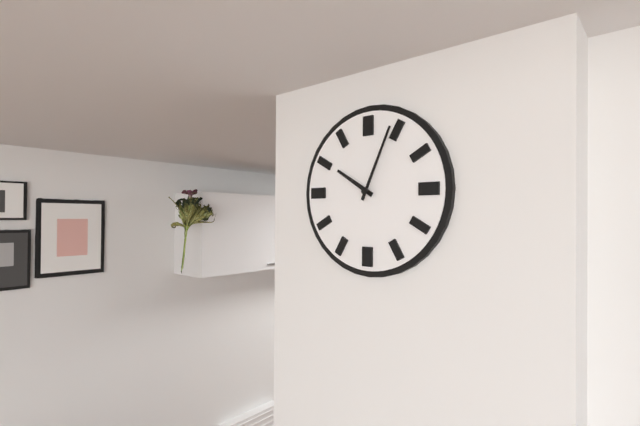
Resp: {"hour": 10, "minute": 4}
